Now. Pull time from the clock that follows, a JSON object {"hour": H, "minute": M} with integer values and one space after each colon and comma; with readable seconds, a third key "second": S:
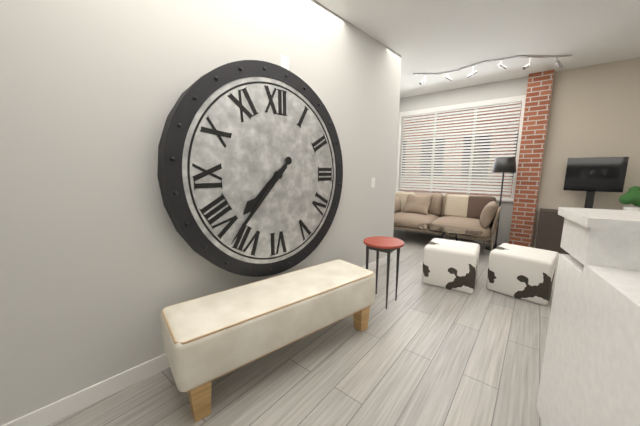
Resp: {"hour": 7, "minute": 37}
